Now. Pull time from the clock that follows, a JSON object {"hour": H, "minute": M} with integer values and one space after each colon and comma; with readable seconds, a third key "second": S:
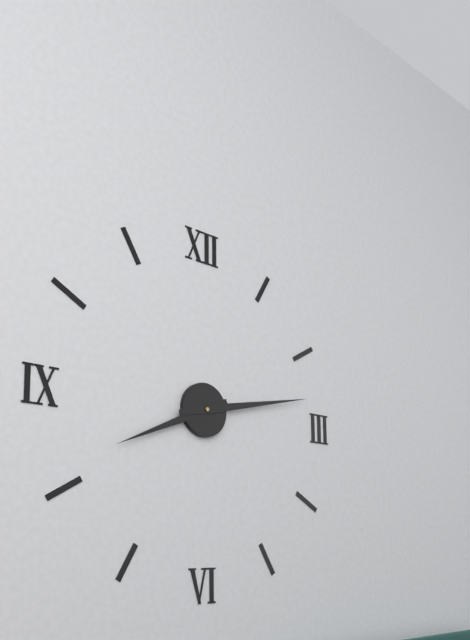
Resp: {"hour": 8, "minute": 13}
